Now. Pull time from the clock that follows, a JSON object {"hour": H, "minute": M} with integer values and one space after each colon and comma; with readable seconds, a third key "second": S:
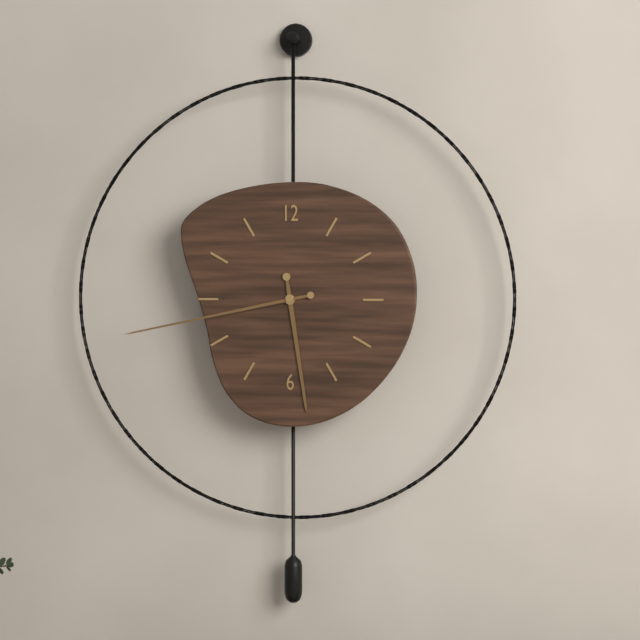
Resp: {"hour": 5, "minute": 43}
